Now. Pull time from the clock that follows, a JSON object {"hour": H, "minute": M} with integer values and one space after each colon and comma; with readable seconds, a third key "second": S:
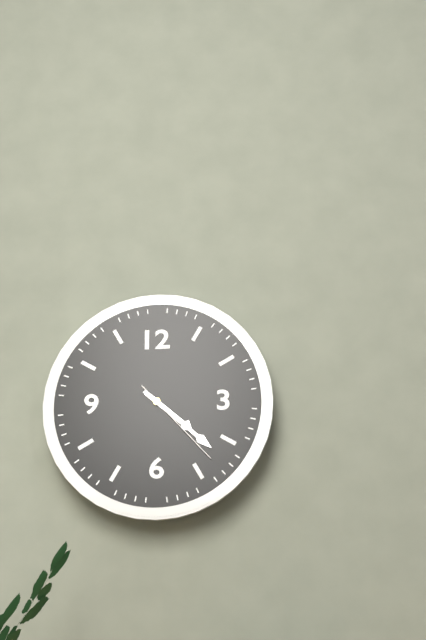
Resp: {"hour": 4, "minute": 22, "second": 23}
